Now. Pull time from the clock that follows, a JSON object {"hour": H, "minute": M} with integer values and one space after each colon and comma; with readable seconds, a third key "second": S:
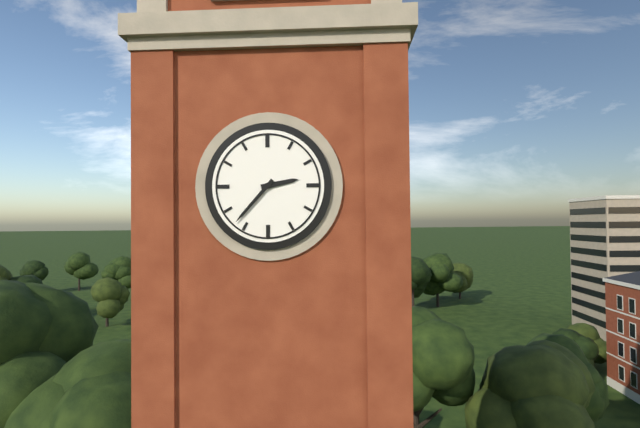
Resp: {"hour": 2, "minute": 37}
